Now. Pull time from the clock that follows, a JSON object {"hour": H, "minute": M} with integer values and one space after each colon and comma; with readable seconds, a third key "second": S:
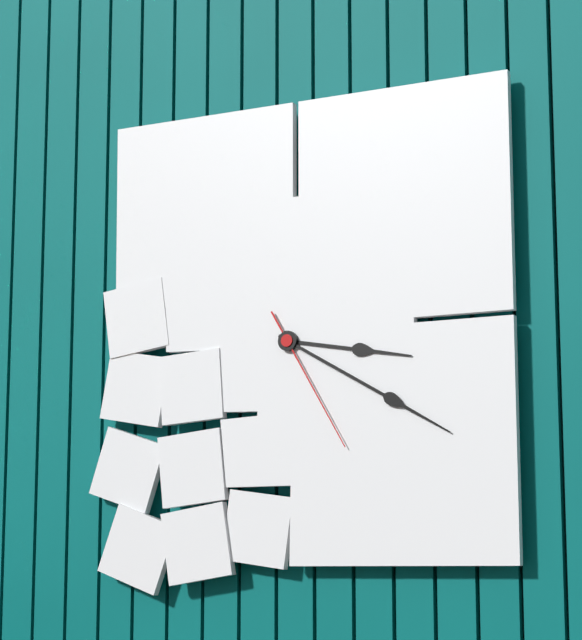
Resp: {"hour": 3, "minute": 20, "second": 25}
